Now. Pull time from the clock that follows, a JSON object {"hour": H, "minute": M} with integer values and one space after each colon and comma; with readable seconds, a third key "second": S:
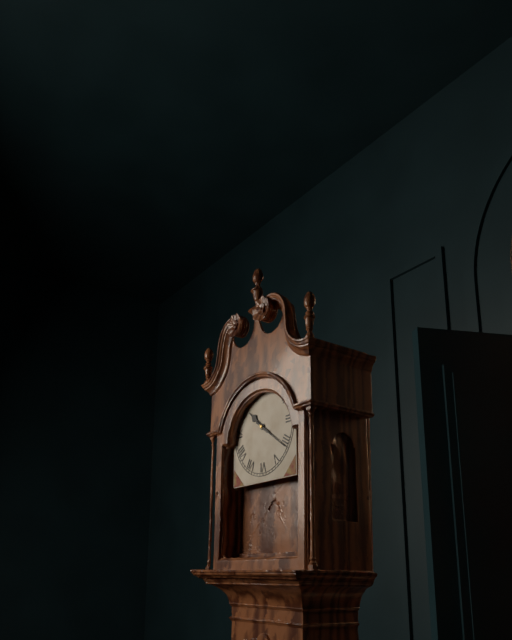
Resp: {"hour": 10, "minute": 21}
